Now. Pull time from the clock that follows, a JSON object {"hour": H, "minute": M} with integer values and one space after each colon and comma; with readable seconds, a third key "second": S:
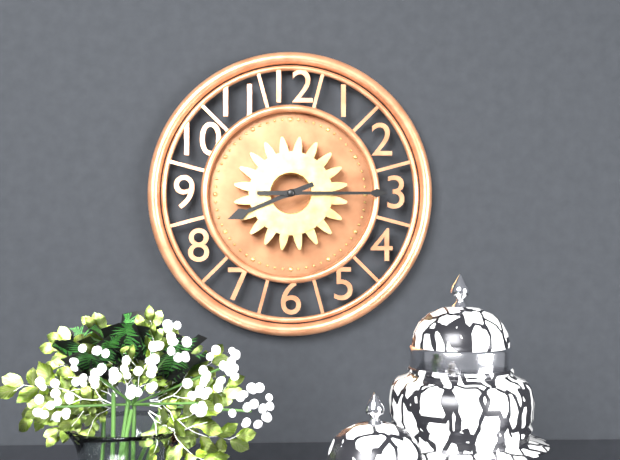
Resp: {"hour": 8, "minute": 15}
